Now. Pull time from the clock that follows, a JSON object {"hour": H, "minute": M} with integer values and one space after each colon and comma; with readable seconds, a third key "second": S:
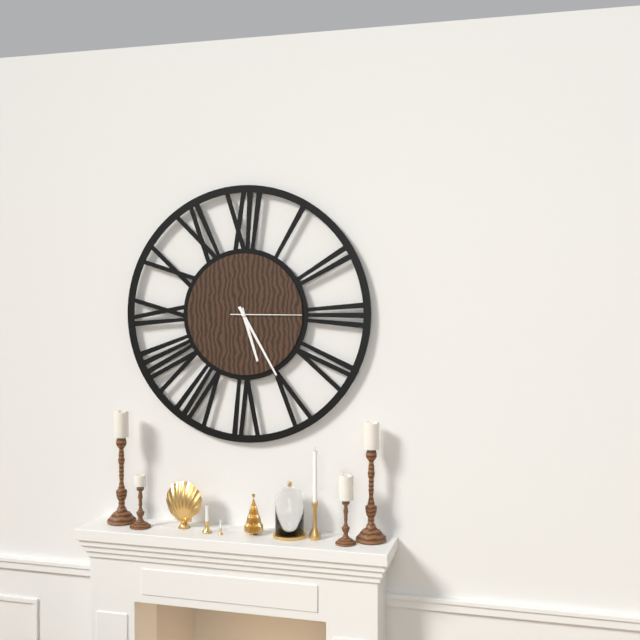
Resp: {"hour": 5, "minute": 25, "second": 15}
